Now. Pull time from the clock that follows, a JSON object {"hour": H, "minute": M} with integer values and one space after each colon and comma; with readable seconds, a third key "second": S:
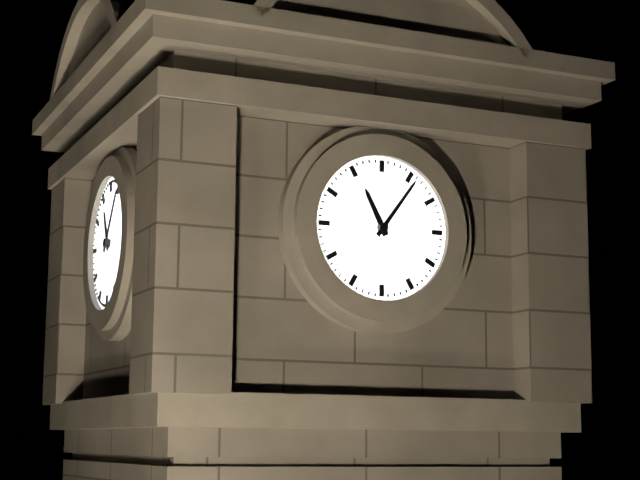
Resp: {"hour": 11, "minute": 6}
